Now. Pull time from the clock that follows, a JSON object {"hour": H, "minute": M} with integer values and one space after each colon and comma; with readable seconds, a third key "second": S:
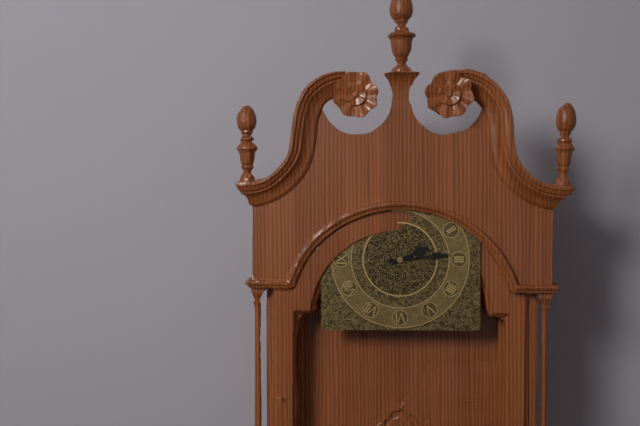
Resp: {"hour": 2, "minute": 14}
